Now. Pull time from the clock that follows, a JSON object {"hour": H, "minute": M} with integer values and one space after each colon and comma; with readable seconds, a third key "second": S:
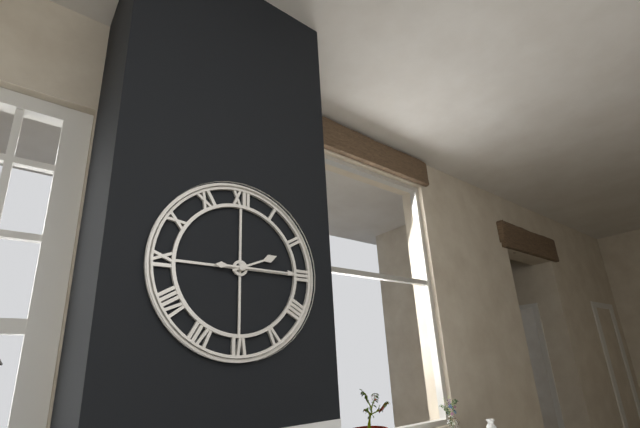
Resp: {"hour": 2, "minute": 15}
